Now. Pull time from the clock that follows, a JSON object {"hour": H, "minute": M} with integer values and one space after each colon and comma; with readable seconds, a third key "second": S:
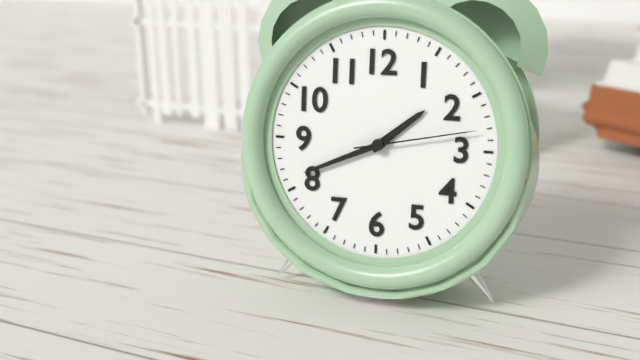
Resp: {"hour": 1, "minute": 41, "second": 13}
